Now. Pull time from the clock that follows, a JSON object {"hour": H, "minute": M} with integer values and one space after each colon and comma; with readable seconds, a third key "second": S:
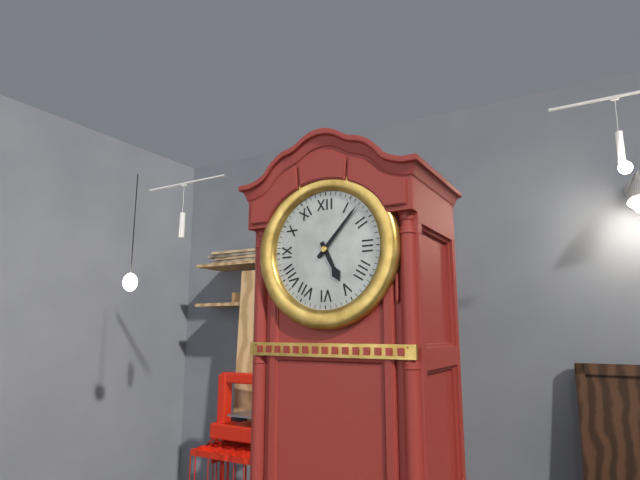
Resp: {"hour": 5, "minute": 7}
